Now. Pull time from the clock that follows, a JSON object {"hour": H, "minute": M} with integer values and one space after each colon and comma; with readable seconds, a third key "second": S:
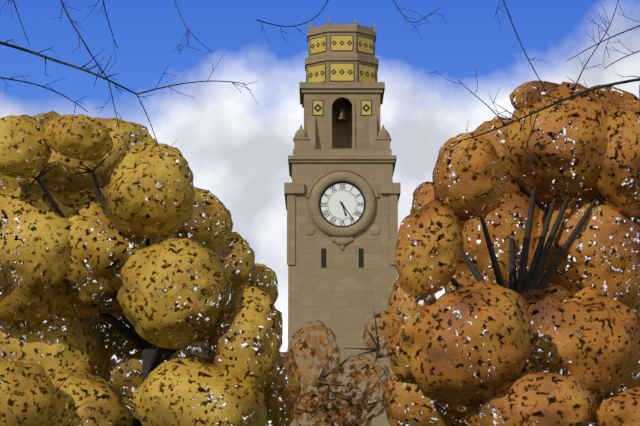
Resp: {"hour": 5, "minute": 24}
